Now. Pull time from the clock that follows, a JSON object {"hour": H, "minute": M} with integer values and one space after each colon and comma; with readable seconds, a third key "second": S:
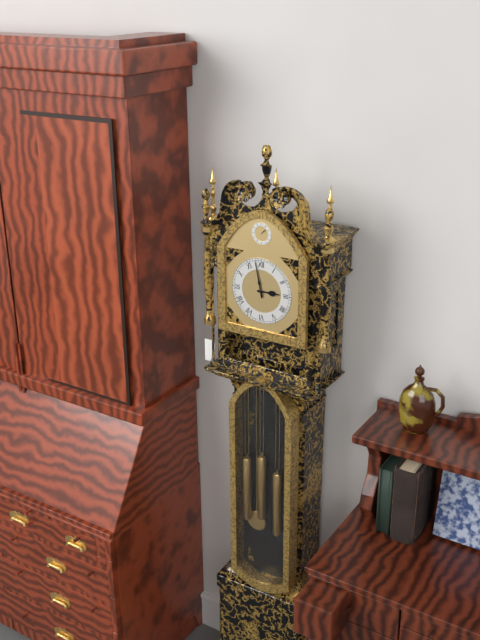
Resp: {"hour": 2, "minute": 58}
